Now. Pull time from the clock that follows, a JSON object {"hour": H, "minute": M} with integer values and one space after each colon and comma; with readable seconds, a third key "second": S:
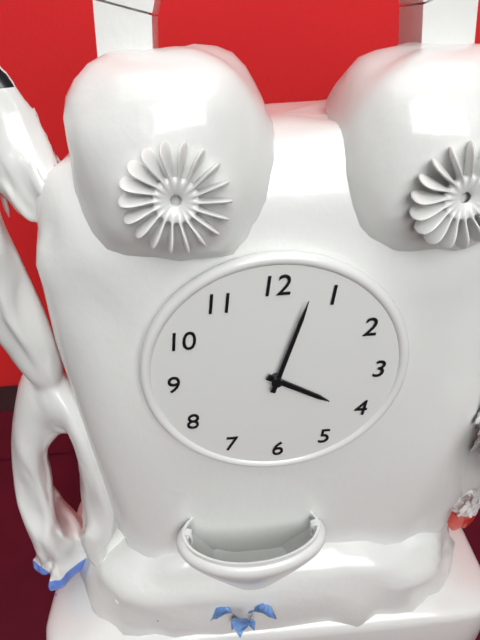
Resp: {"hour": 4, "minute": 3}
